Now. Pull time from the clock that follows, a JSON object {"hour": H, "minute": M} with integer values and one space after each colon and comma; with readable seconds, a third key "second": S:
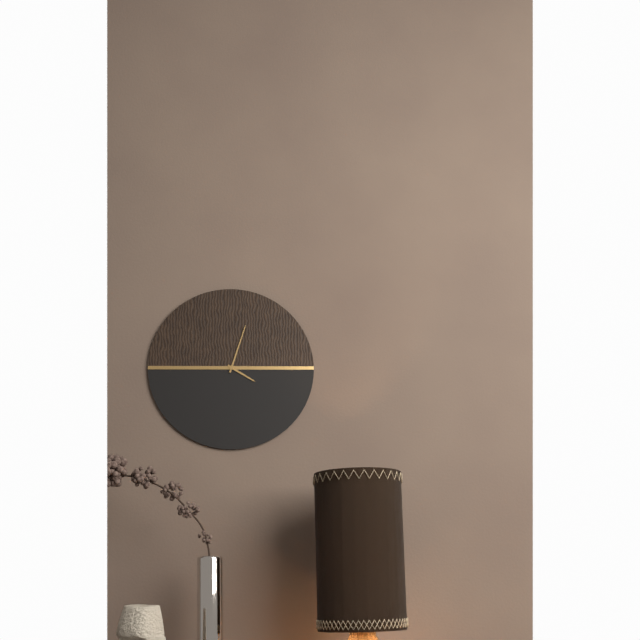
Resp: {"hour": 4, "minute": 3}
